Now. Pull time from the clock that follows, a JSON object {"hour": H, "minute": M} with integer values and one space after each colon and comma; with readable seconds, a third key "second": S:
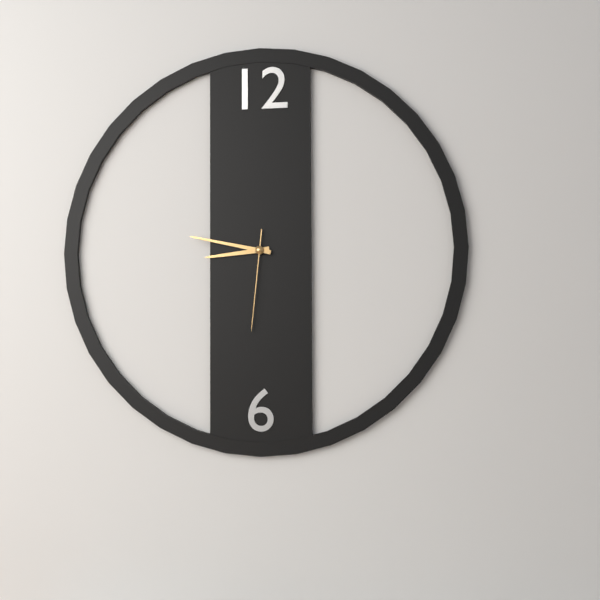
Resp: {"hour": 8, "minute": 47, "second": 31}
